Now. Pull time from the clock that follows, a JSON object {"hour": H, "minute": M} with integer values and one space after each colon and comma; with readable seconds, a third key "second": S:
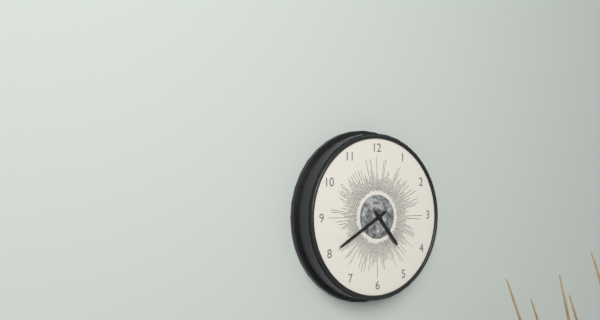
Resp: {"hour": 4, "minute": 40}
